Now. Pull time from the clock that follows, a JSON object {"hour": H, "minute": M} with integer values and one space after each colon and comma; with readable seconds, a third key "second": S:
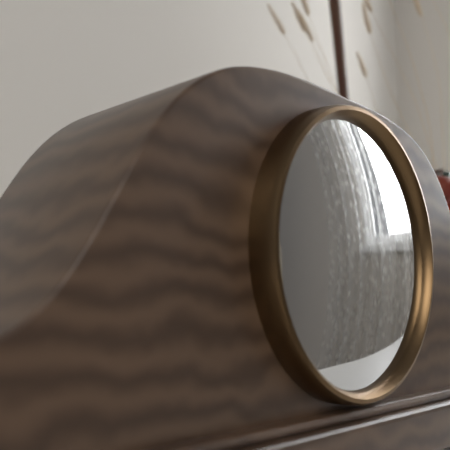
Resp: {"hour": 2, "minute": 32}
